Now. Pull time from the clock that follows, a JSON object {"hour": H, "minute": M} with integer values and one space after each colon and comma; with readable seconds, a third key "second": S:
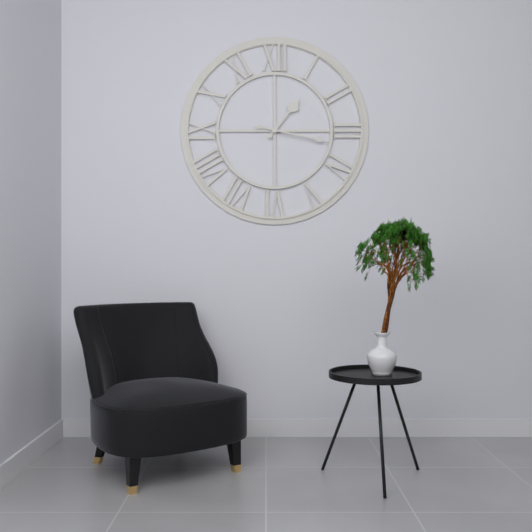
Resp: {"hour": 1, "minute": 17}
